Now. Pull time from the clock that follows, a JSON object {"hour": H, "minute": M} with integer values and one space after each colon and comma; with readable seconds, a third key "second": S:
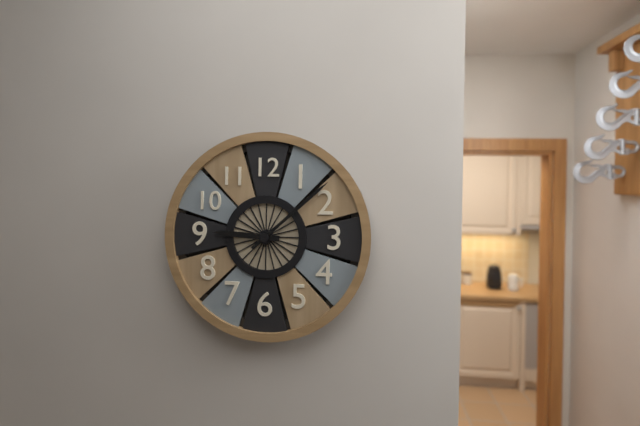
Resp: {"hour": 9, "minute": 8}
